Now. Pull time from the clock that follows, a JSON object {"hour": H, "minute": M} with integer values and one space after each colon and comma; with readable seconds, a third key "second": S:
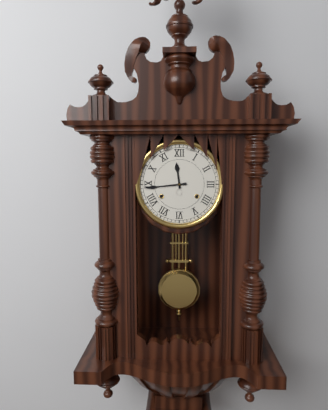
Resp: {"hour": 11, "minute": 44}
